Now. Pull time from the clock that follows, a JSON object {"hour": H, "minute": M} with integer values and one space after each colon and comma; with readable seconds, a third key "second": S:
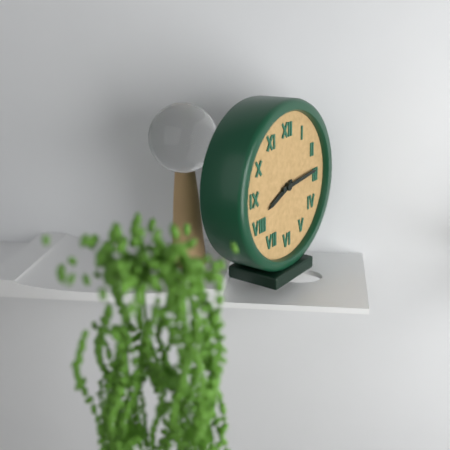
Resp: {"hour": 8, "minute": 14}
